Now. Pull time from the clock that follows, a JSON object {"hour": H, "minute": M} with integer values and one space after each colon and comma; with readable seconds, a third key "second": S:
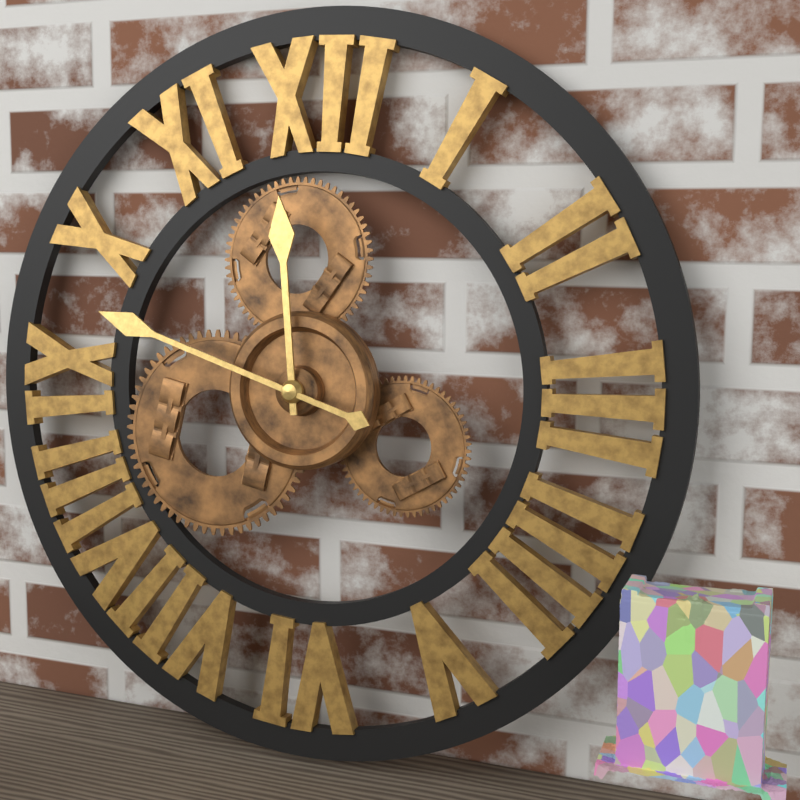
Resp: {"hour": 11, "minute": 48}
